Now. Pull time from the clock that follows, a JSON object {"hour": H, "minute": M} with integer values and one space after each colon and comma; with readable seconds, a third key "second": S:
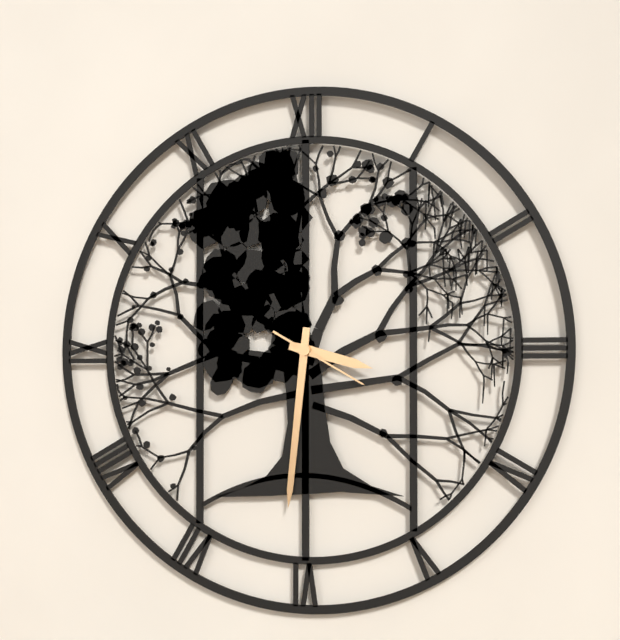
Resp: {"hour": 3, "minute": 31, "second": 20}
